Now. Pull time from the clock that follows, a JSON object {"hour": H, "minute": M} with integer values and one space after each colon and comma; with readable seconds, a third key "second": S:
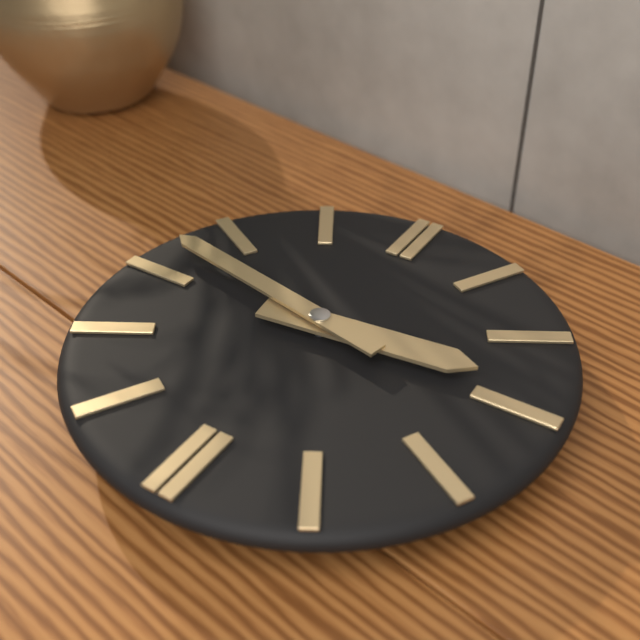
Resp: {"hour": 2, "minute": 47}
